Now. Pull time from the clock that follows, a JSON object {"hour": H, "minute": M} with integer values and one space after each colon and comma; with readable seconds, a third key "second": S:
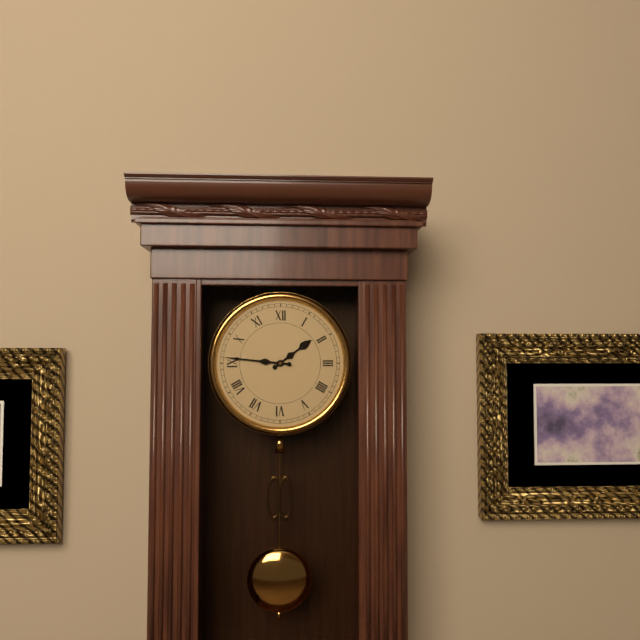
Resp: {"hour": 1, "minute": 46}
